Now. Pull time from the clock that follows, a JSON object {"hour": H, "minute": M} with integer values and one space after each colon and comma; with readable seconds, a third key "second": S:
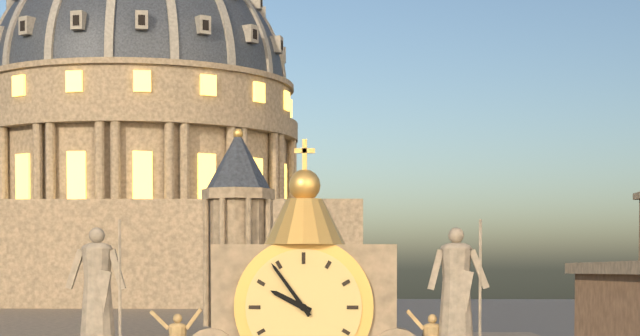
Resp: {"hour": 9, "minute": 54}
